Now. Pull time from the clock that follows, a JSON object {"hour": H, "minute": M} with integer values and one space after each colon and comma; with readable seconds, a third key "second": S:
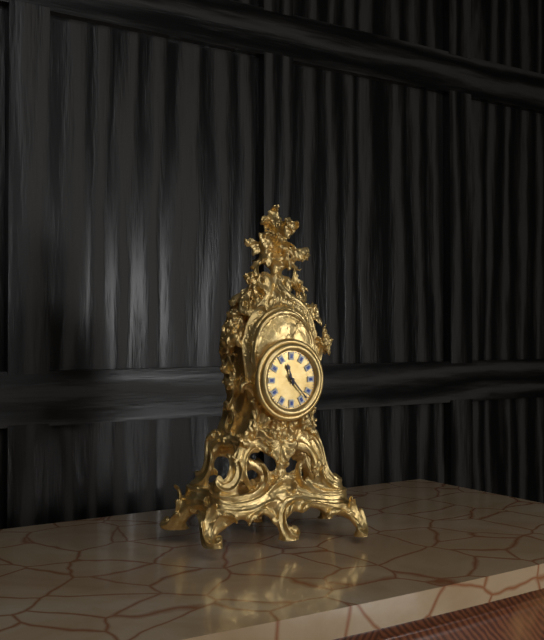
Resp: {"hour": 11, "minute": 23}
